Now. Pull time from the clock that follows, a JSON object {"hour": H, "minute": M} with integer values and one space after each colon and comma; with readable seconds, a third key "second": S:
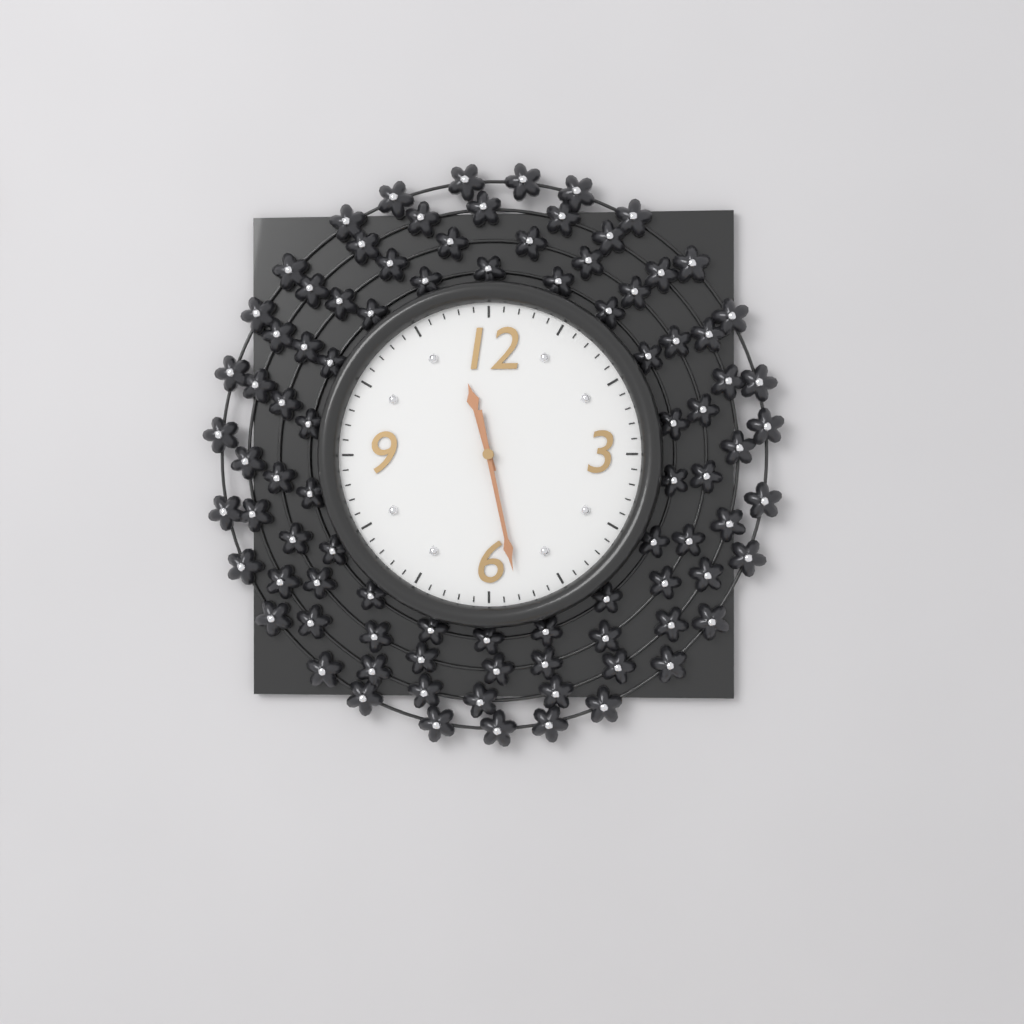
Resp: {"hour": 11, "minute": 28}
